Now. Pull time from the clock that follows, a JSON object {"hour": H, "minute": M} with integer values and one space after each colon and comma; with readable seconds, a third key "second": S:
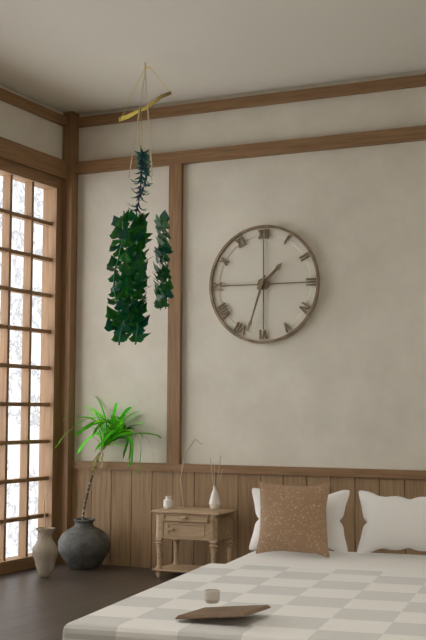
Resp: {"hour": 1, "minute": 33}
